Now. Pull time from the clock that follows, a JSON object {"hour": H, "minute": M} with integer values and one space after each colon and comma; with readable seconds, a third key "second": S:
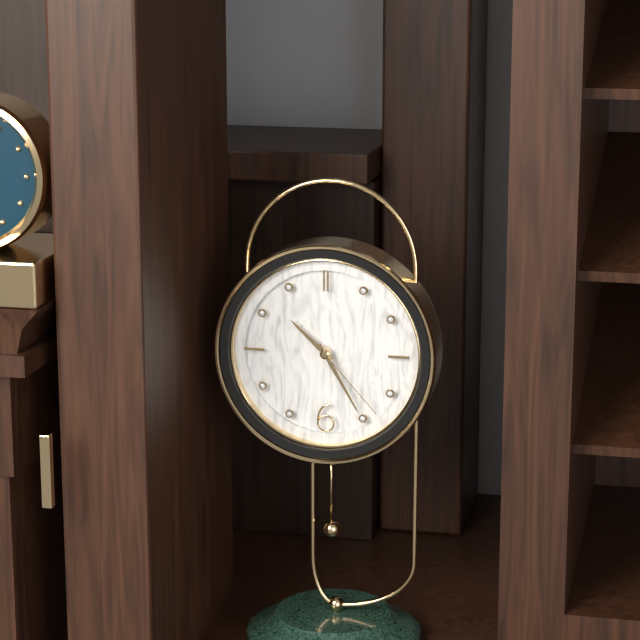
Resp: {"hour": 10, "minute": 25, "second": 23}
